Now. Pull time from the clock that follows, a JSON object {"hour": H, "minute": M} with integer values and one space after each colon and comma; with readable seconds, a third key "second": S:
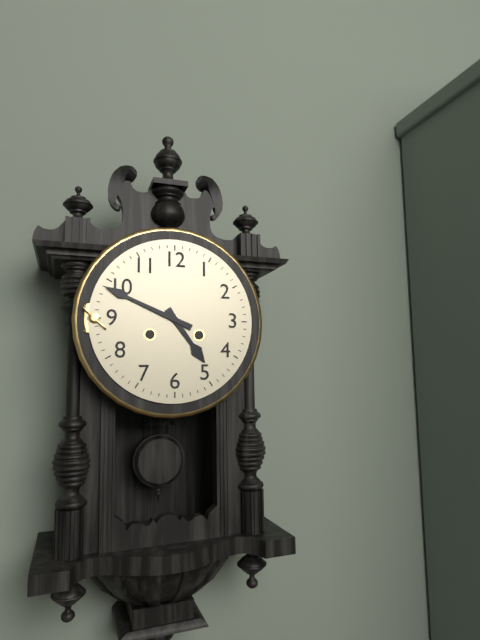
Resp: {"hour": 4, "minute": 49}
